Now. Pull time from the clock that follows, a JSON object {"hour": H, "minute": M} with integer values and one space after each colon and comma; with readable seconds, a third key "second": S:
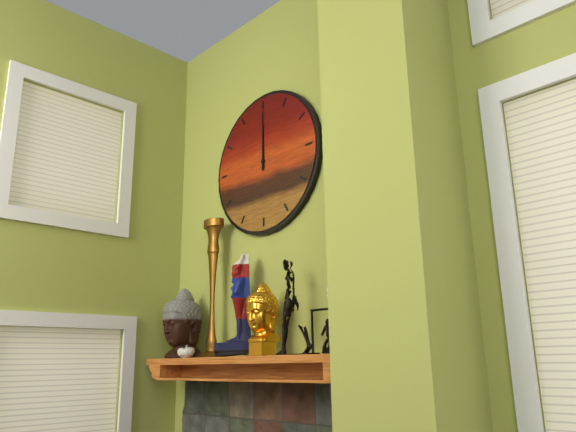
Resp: {"hour": 12, "minute": 0}
